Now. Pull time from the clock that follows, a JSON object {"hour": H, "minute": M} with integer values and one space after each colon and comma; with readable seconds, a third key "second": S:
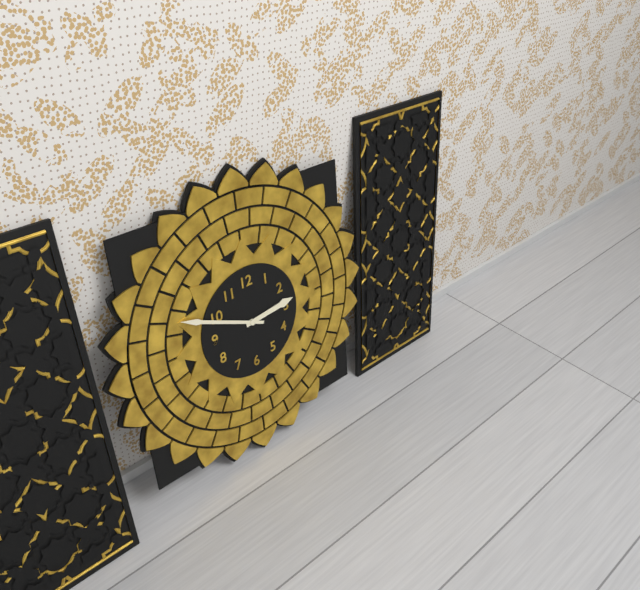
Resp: {"hour": 2, "minute": 49}
